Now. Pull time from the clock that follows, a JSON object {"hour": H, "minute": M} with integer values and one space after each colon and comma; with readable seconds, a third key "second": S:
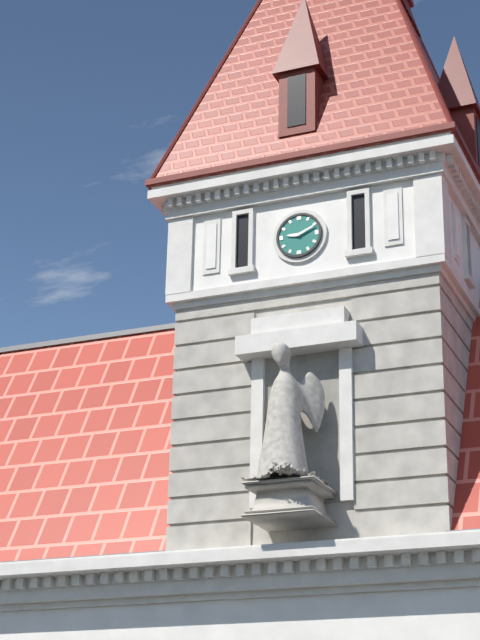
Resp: {"hour": 9, "minute": 11}
